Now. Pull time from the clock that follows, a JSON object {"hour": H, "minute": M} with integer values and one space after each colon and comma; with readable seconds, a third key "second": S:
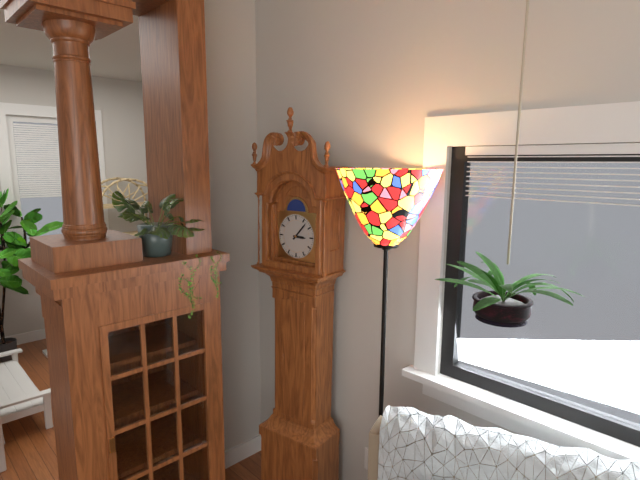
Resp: {"hour": 3, "minute": 7}
